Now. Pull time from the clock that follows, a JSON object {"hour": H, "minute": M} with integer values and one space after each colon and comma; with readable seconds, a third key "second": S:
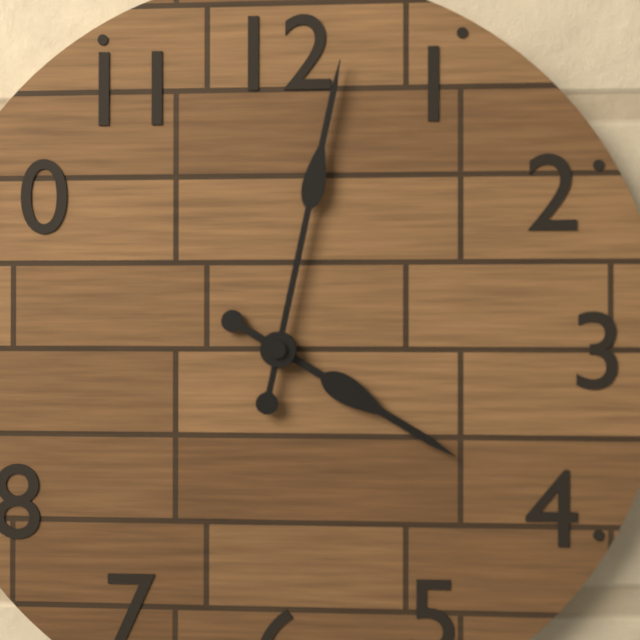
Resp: {"hour": 4, "minute": 2}
